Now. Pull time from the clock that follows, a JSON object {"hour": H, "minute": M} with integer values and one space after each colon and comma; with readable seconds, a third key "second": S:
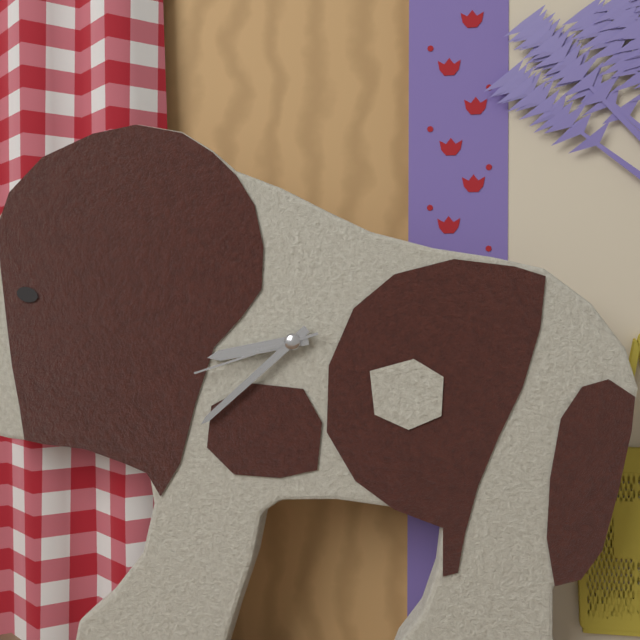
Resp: {"hour": 8, "minute": 38, "second": 42}
